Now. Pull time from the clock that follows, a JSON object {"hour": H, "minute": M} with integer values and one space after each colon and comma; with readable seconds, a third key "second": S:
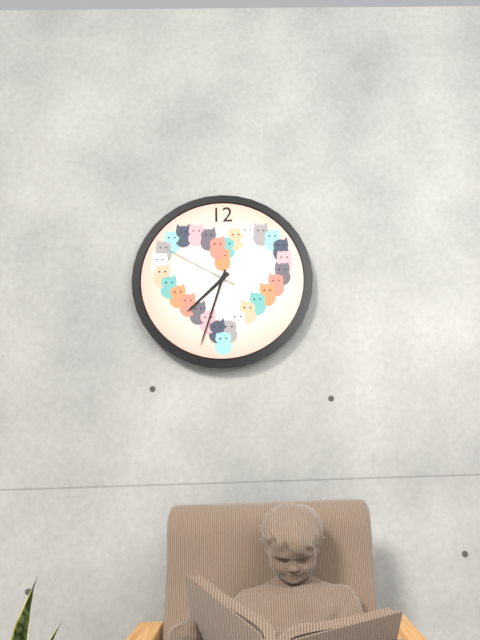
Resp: {"hour": 7, "minute": 33, "second": 50}
